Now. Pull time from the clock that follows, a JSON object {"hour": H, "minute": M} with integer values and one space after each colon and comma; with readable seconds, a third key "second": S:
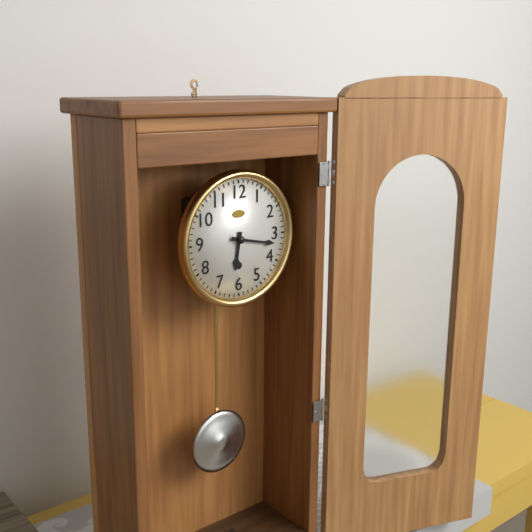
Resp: {"hour": 6, "minute": 17}
